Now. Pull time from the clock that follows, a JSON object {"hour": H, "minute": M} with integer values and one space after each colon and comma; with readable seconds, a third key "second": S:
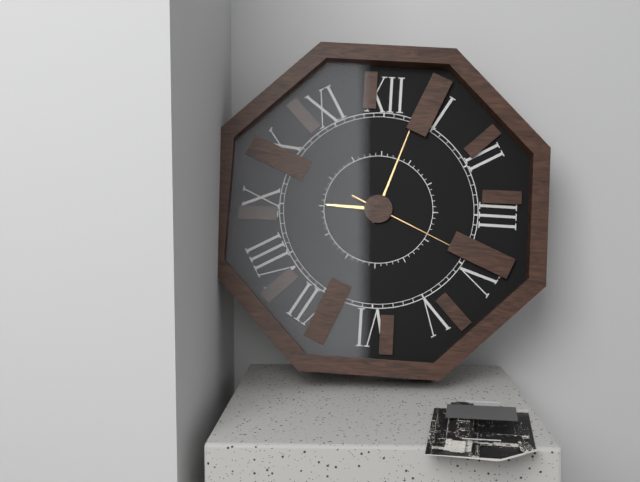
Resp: {"hour": 9, "minute": 3}
